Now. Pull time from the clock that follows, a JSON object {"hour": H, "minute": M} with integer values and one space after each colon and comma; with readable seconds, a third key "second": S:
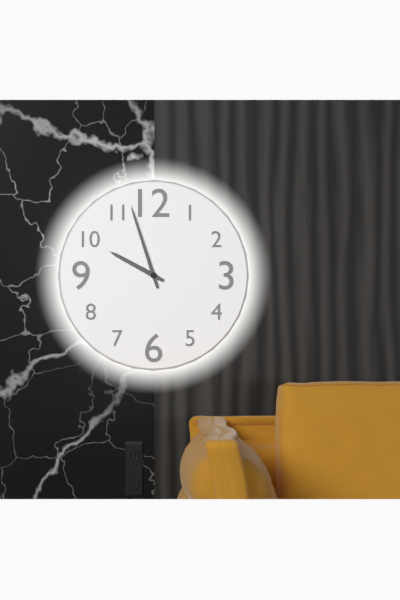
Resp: {"hour": 9, "minute": 57}
